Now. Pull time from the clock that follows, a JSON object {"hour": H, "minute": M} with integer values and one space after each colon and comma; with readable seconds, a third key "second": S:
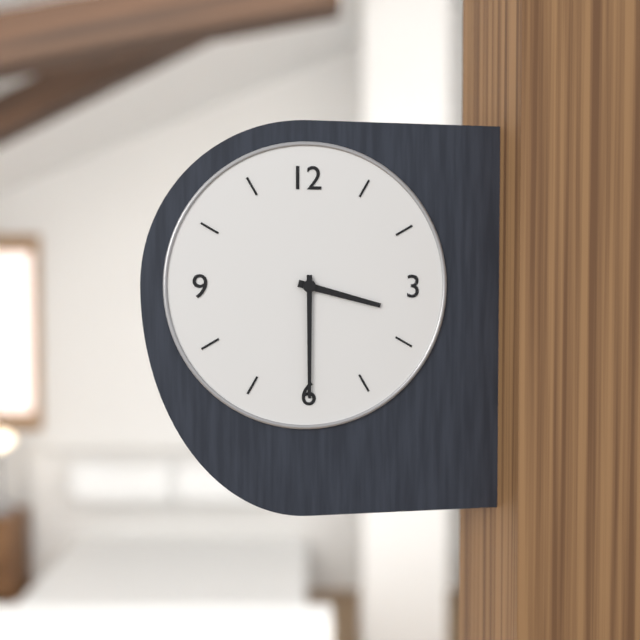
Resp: {"hour": 3, "minute": 30}
